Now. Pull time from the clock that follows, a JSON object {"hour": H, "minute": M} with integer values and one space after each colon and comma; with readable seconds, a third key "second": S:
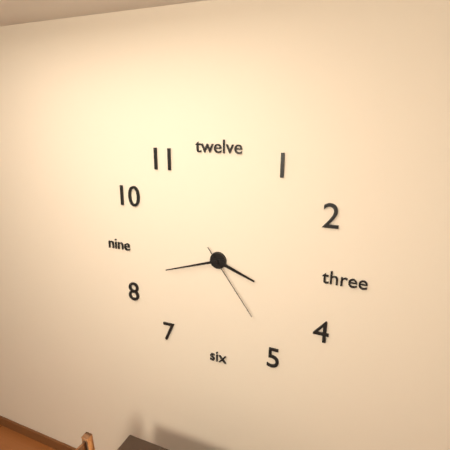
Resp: {"hour": 3, "minute": 42, "second": 24}
